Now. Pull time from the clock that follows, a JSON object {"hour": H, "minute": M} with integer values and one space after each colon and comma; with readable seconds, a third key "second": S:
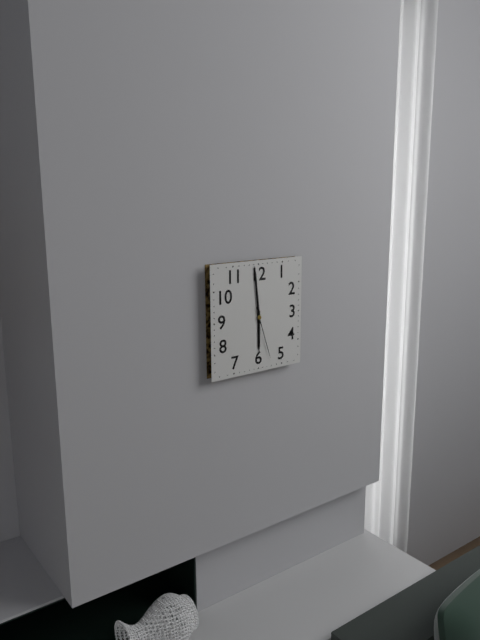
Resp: {"hour": 5, "minute": 59, "second": 27}
